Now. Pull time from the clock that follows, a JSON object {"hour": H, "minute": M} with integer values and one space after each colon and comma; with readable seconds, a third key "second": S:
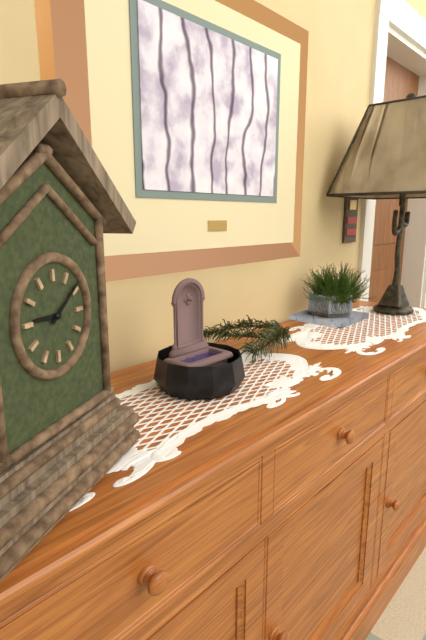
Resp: {"hour": 9, "minute": 9}
